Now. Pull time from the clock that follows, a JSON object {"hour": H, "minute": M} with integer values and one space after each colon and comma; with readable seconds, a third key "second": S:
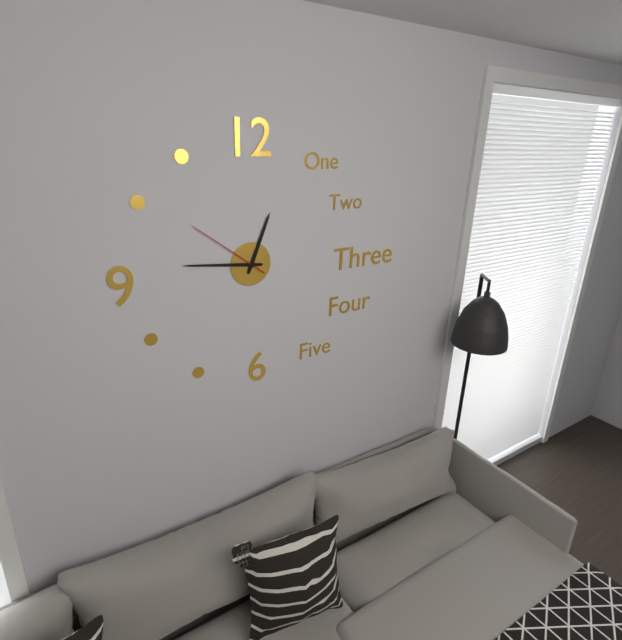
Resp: {"hour": 12, "minute": 46, "second": 51}
